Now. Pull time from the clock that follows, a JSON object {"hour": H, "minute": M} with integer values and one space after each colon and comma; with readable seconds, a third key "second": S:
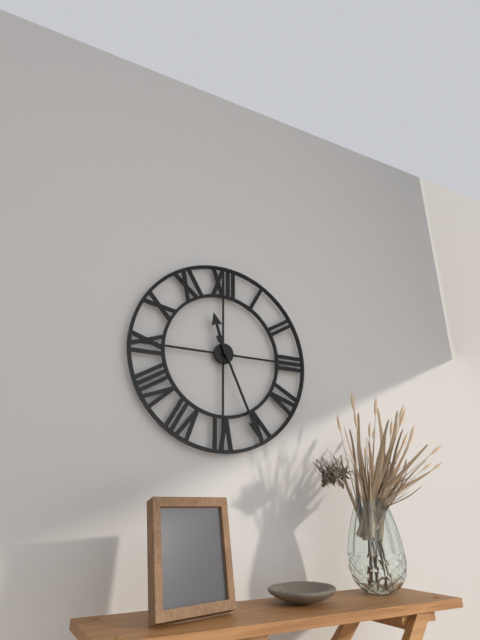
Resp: {"hour": 11, "minute": 26}
